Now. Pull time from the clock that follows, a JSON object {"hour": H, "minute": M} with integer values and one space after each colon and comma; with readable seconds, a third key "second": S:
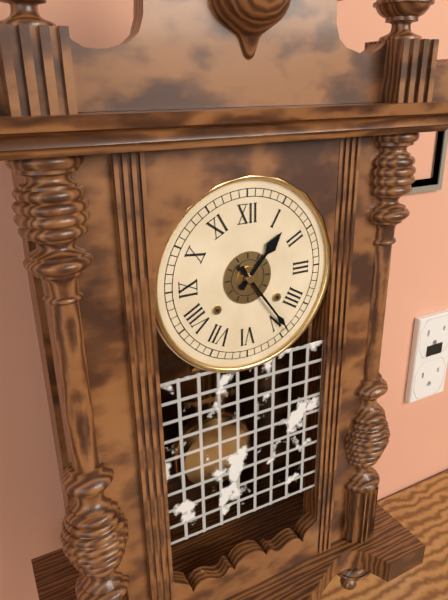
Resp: {"hour": 1, "minute": 24}
